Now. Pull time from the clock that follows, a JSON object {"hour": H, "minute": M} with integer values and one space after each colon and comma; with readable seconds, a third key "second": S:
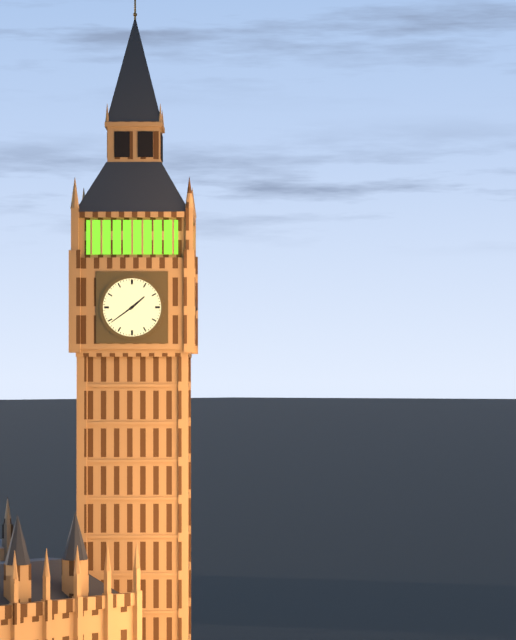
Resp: {"hour": 1, "minute": 39}
